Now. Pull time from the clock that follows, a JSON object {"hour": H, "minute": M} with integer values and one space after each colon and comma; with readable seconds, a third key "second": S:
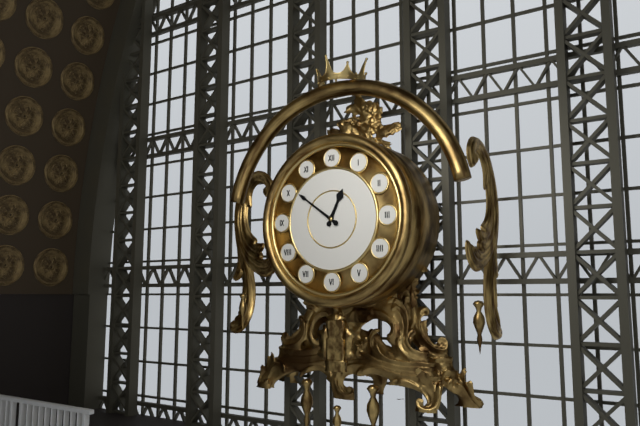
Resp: {"hour": 12, "minute": 51}
